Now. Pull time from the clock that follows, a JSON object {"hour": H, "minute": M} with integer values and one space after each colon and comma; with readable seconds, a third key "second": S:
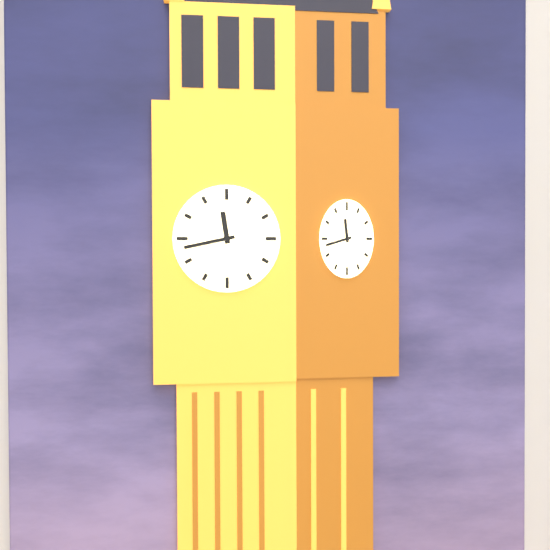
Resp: {"hour": 11, "minute": 43}
